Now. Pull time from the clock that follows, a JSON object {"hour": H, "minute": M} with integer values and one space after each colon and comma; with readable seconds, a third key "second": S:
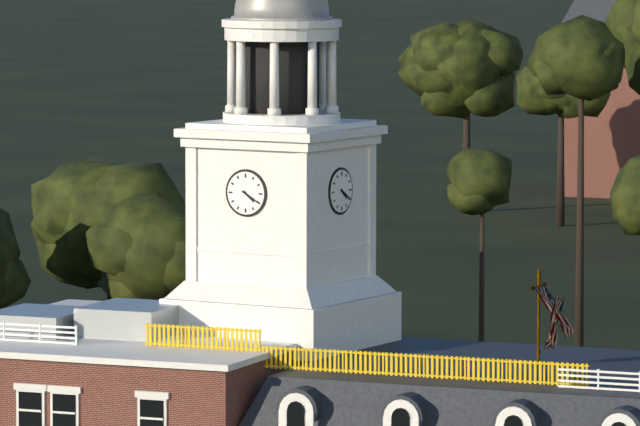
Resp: {"hour": 4, "minute": 20}
